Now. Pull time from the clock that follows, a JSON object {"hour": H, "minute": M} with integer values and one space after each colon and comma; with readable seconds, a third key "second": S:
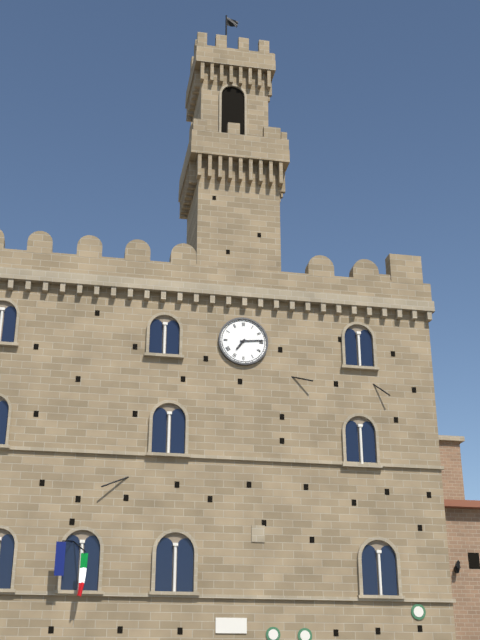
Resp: {"hour": 7, "minute": 14}
